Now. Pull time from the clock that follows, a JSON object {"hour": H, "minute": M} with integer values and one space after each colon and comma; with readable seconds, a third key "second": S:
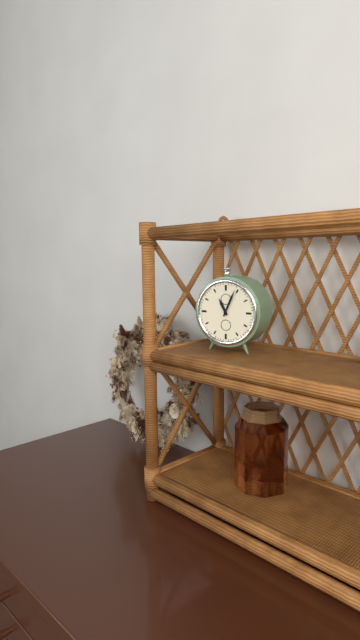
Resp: {"hour": 11, "minute": 4}
